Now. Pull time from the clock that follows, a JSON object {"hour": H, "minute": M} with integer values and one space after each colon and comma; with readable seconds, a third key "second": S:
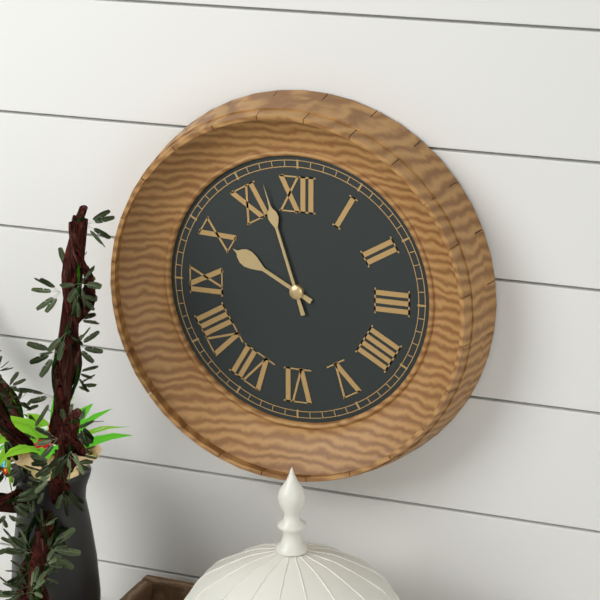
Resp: {"hour": 9, "minute": 57}
